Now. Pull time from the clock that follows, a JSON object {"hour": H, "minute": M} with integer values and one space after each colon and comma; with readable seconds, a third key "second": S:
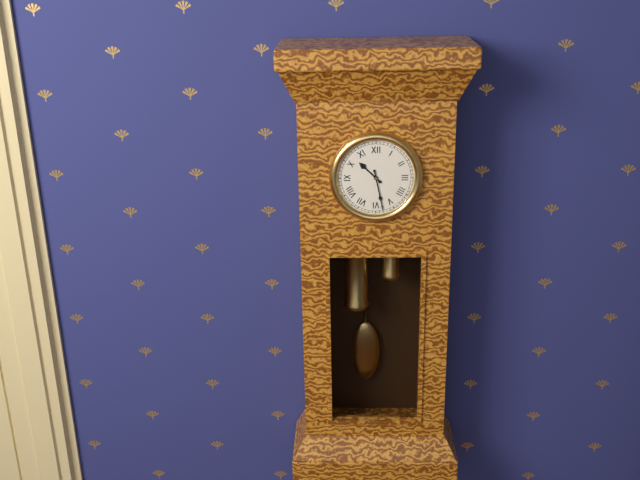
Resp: {"hour": 10, "minute": 28}
